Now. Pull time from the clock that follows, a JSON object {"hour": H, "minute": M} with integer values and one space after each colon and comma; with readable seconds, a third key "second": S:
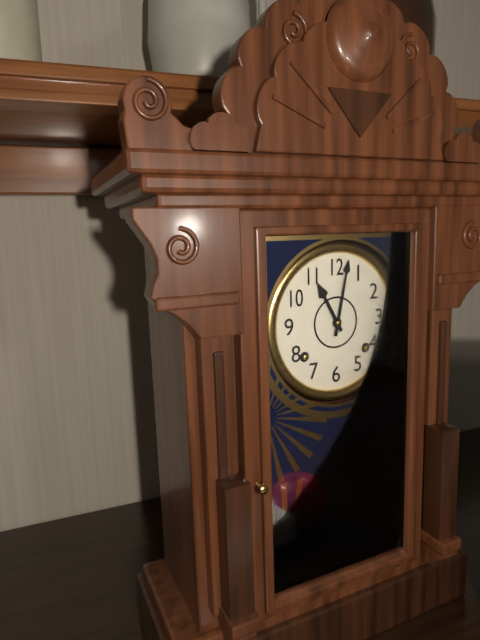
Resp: {"hour": 11, "minute": 2}
